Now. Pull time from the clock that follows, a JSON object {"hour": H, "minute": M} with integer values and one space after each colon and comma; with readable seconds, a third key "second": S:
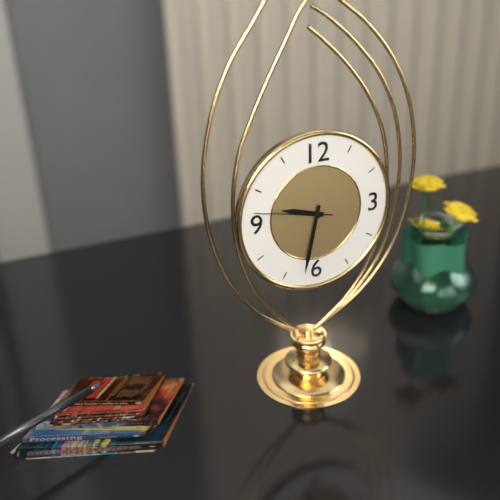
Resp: {"hour": 9, "minute": 32, "second": 47}
